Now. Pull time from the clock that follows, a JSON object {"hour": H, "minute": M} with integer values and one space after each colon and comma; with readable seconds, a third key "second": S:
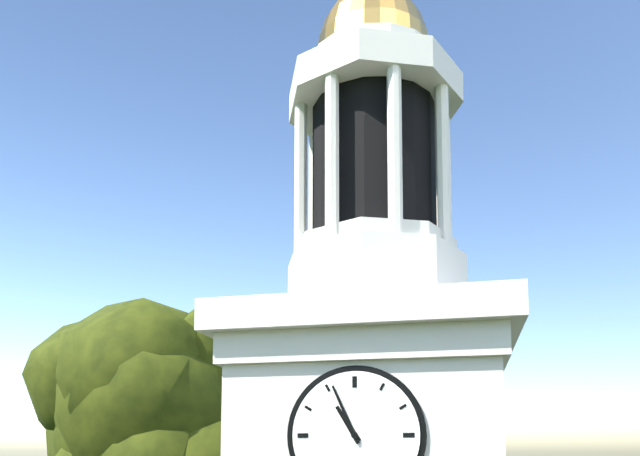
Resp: {"hour": 10, "minute": 56}
